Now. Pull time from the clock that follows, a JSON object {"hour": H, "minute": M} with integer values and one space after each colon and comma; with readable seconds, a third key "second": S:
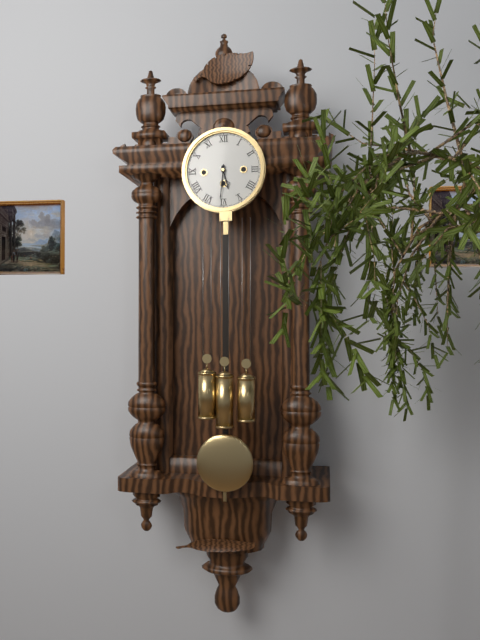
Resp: {"hour": 5, "minute": 31}
